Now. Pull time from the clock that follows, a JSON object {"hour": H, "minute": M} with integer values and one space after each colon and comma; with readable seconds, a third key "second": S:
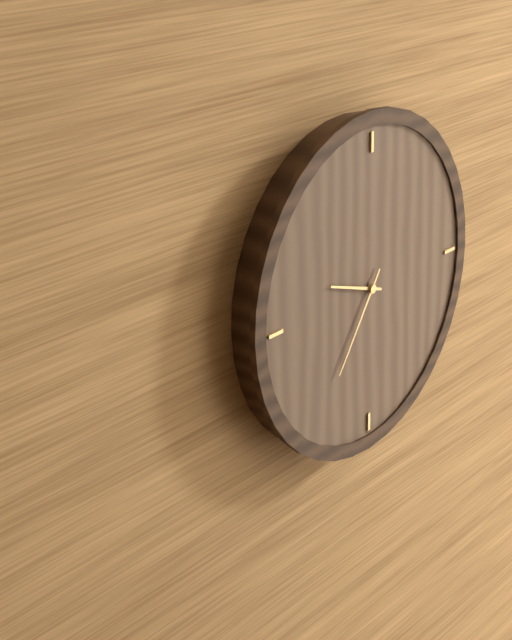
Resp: {"hour": 9, "minute": 36}
